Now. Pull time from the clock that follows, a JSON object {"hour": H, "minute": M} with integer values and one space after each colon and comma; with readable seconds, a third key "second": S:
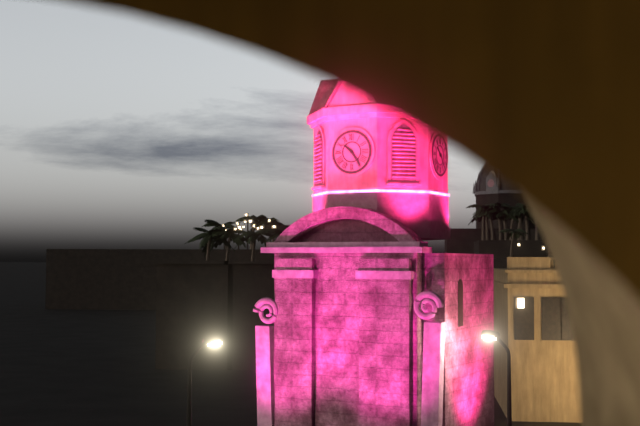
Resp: {"hour": 10, "minute": 24}
